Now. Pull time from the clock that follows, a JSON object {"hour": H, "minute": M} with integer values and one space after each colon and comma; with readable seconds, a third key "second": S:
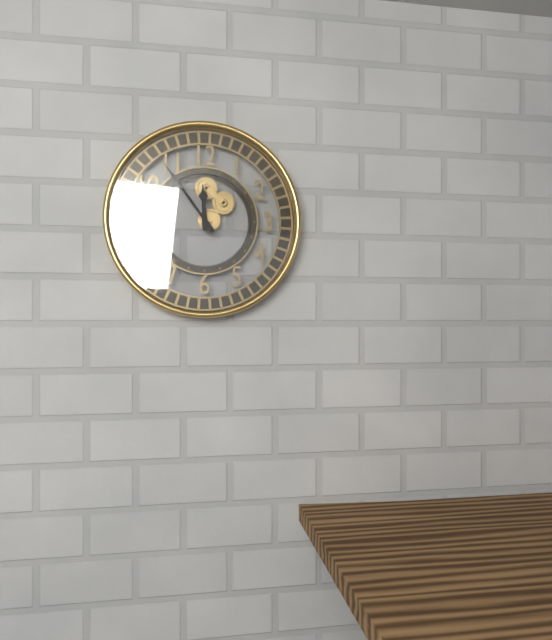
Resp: {"hour": 11, "minute": 54}
